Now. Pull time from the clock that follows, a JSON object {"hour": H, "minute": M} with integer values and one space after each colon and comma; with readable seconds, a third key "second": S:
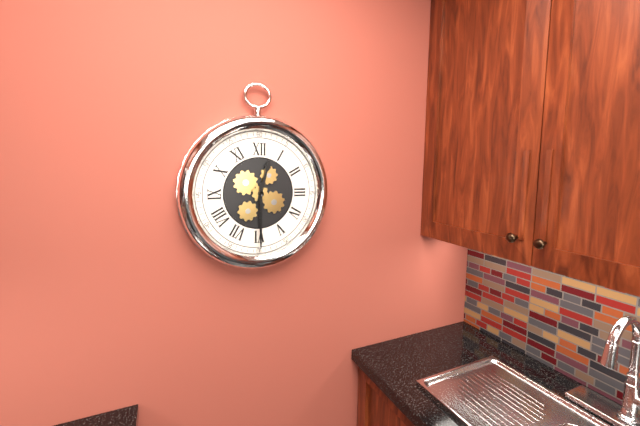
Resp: {"hour": 12, "minute": 30}
